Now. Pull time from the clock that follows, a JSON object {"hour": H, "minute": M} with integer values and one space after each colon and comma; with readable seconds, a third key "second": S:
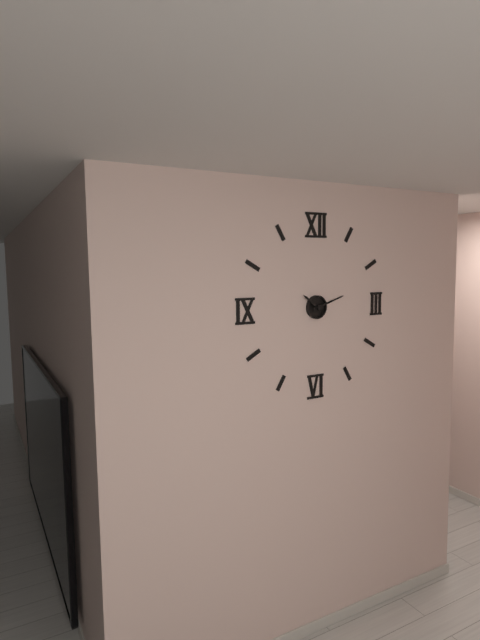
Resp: {"hour": 10, "minute": 12}
